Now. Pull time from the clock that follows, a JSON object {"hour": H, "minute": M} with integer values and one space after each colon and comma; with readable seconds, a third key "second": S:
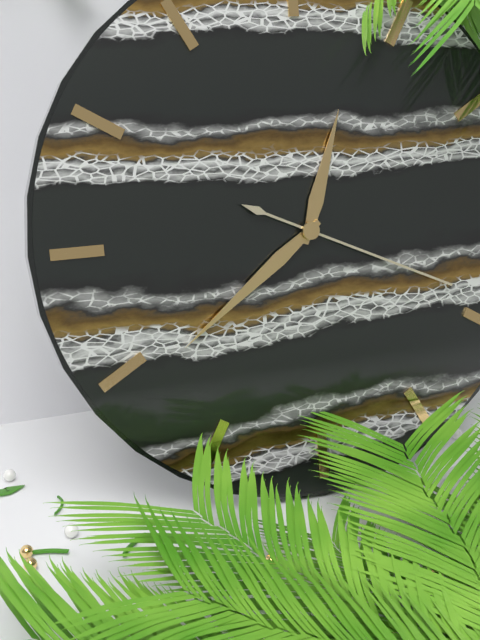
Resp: {"hour": 12, "minute": 39, "second": 19}
